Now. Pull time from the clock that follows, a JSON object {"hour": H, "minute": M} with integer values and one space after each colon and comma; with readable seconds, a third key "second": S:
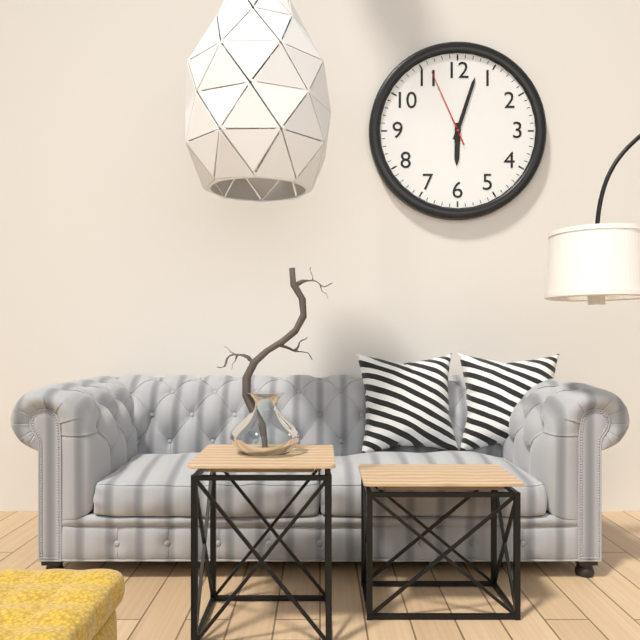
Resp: {"hour": 6, "minute": 3, "second": 56}
